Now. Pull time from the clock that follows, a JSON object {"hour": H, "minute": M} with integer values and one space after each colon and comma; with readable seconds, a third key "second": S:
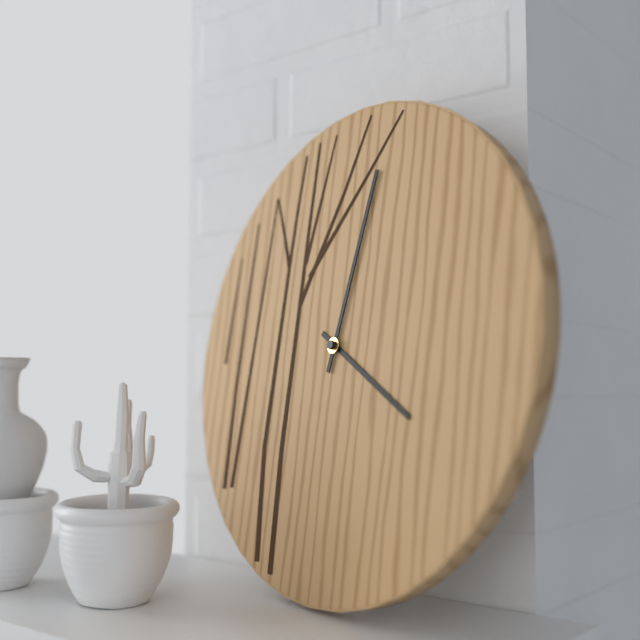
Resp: {"hour": 4, "minute": 2}
